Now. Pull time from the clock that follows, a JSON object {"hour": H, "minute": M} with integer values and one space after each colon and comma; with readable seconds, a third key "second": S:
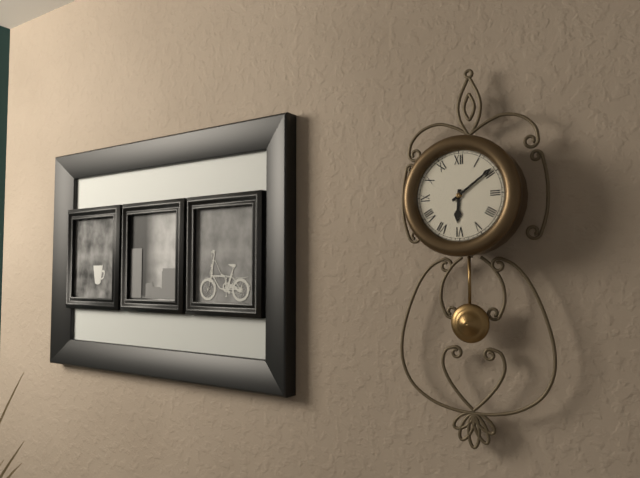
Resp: {"hour": 6, "minute": 9}
